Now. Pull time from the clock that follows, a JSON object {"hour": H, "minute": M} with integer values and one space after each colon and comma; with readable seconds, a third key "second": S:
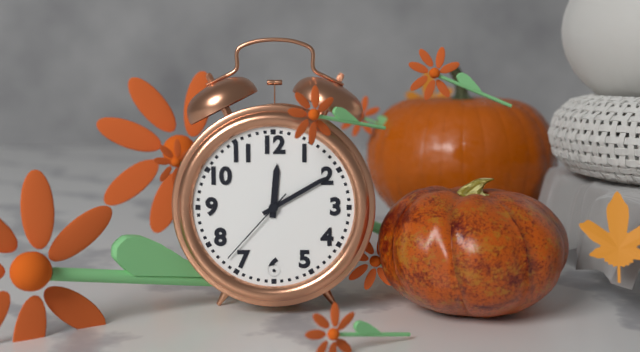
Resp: {"hour": 12, "minute": 10, "second": 37}
